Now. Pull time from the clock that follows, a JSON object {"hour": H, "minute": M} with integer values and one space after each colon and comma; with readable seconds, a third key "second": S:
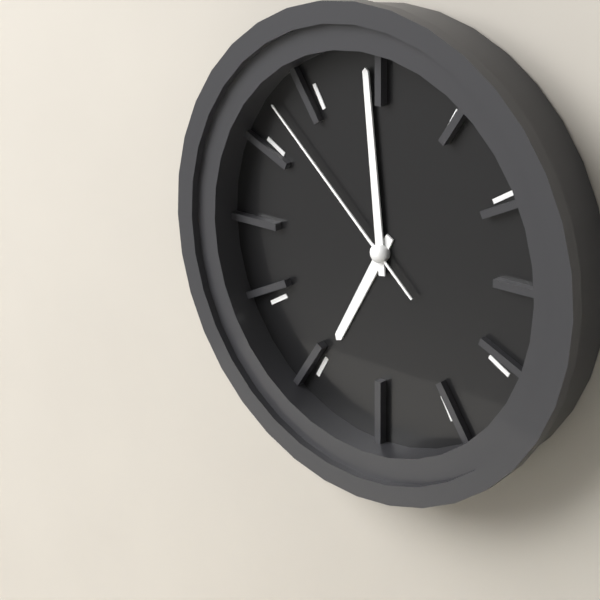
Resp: {"hour": 6, "minute": 59, "second": 52}
